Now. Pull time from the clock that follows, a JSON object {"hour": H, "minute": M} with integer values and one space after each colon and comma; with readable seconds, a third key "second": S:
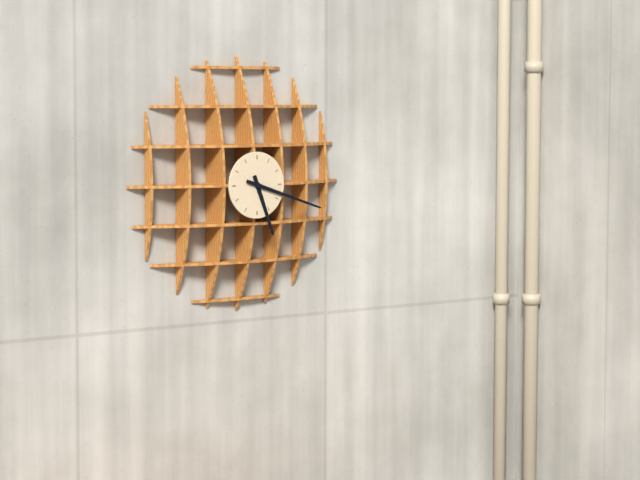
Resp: {"hour": 5, "minute": 18}
